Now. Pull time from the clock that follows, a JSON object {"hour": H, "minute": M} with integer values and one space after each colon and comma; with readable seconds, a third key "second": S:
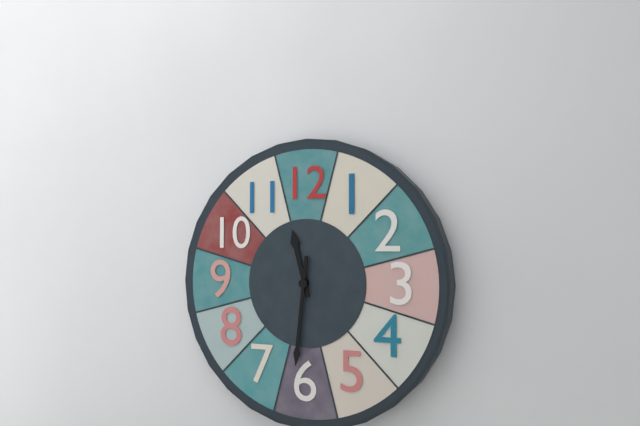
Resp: {"hour": 11, "minute": 31}
